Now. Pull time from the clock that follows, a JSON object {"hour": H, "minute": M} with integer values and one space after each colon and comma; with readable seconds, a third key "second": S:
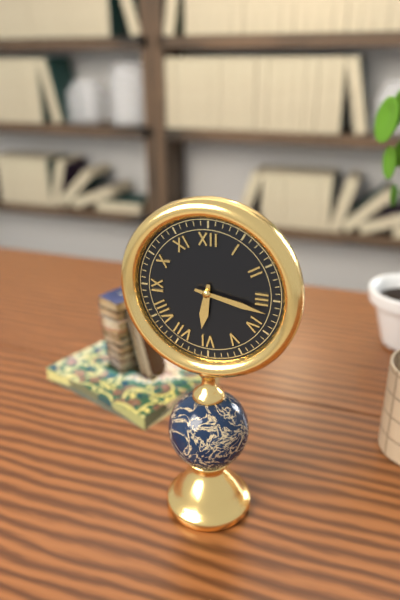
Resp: {"hour": 6, "minute": 17}
